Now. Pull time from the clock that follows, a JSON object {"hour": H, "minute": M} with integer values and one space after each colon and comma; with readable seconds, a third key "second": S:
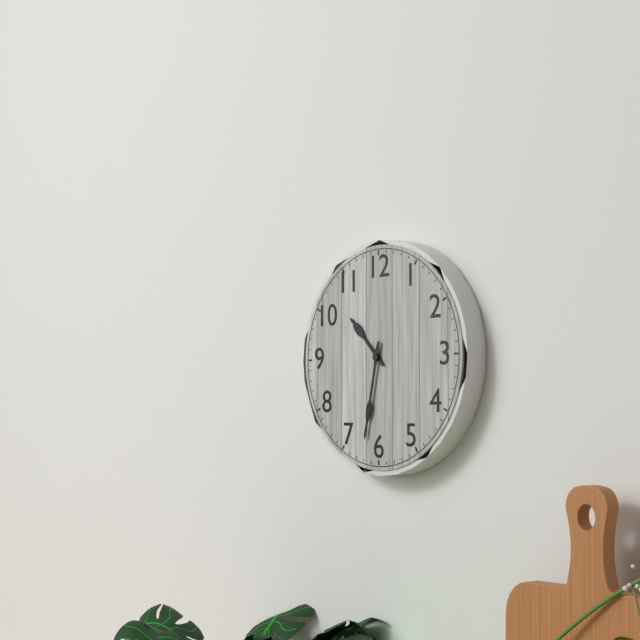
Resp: {"hour": 10, "minute": 32}
